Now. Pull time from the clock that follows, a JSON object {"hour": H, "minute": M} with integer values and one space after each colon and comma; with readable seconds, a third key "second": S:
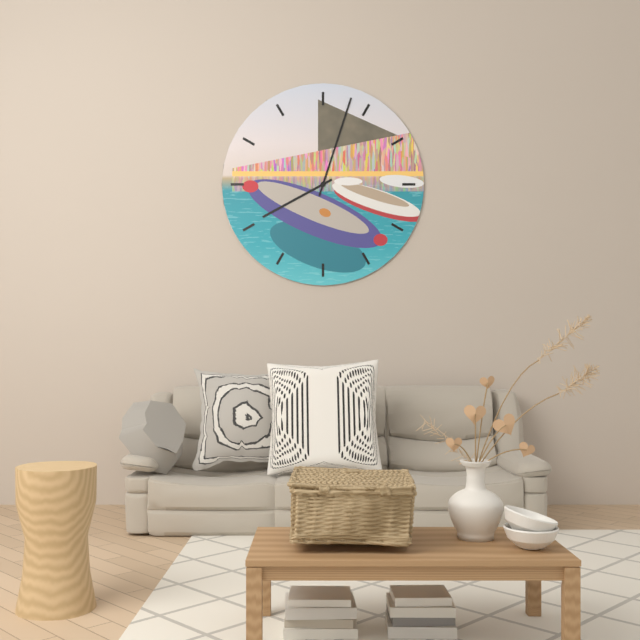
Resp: {"hour": 8, "minute": 3}
